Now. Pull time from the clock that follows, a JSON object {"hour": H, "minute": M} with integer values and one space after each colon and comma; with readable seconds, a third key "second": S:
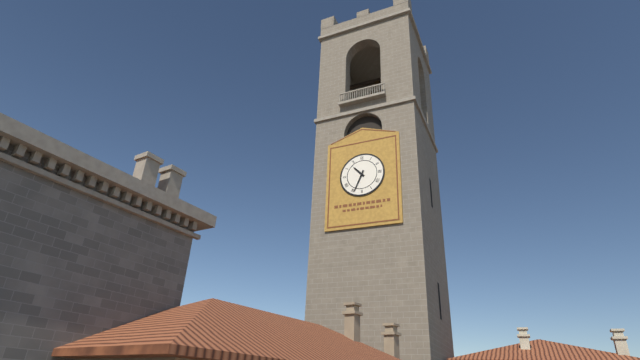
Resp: {"hour": 10, "minute": 34}
